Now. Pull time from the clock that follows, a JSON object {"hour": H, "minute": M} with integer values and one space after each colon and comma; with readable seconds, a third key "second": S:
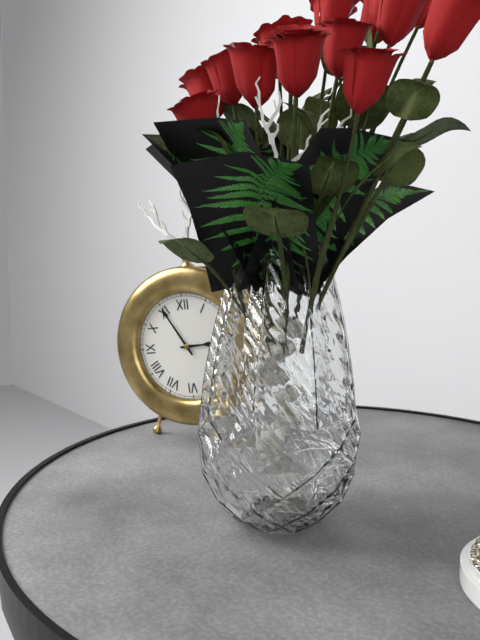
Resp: {"hour": 2, "minute": 55}
